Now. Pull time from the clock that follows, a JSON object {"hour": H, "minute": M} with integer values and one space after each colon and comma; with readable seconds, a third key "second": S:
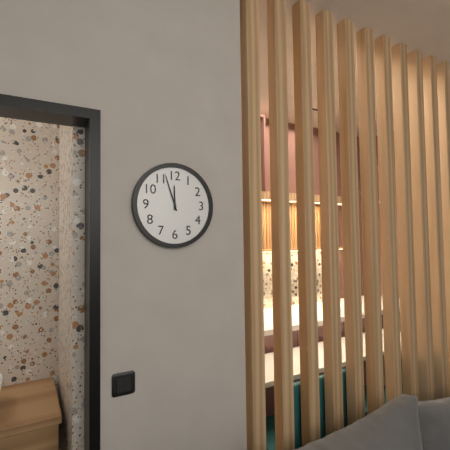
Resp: {"hour": 11, "minute": 57}
